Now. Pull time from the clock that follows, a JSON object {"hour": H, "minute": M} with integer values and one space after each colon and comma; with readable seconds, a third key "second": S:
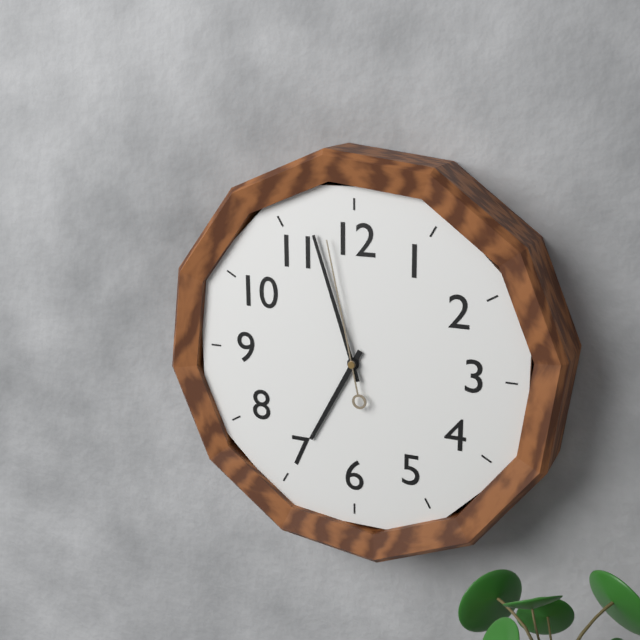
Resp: {"hour": 6, "minute": 57, "second": 58}
